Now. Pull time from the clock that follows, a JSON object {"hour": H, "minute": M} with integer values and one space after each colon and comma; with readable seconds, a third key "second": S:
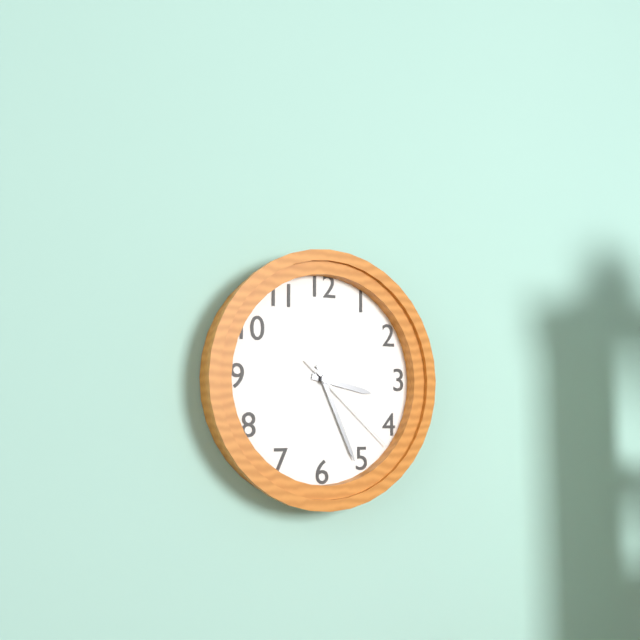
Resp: {"hour": 3, "minute": 26, "second": 22}
